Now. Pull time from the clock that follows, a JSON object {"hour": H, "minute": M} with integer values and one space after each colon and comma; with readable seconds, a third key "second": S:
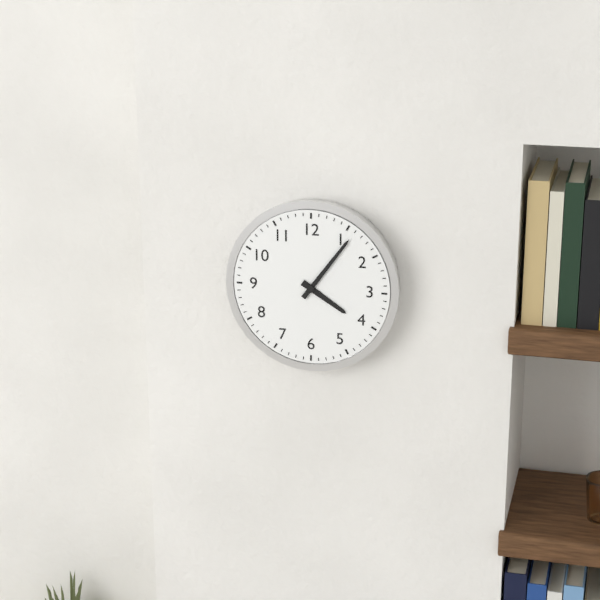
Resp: {"hour": 4, "minute": 6}
